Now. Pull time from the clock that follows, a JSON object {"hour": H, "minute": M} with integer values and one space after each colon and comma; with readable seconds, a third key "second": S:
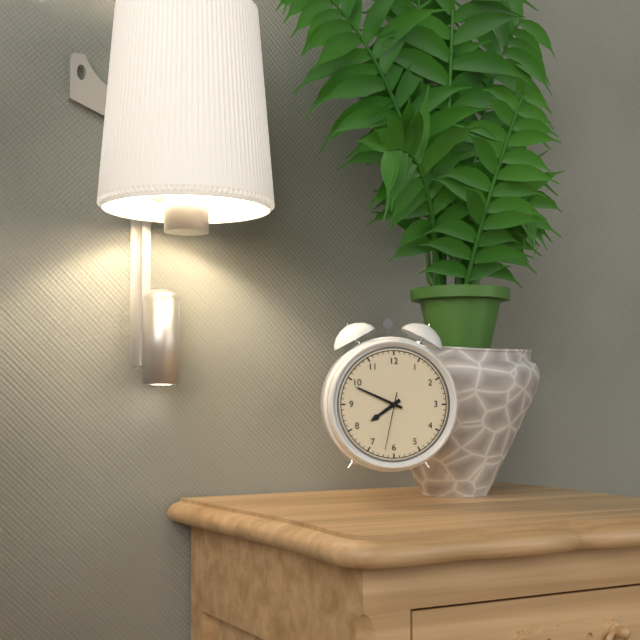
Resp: {"hour": 7, "minute": 49, "second": 32}
